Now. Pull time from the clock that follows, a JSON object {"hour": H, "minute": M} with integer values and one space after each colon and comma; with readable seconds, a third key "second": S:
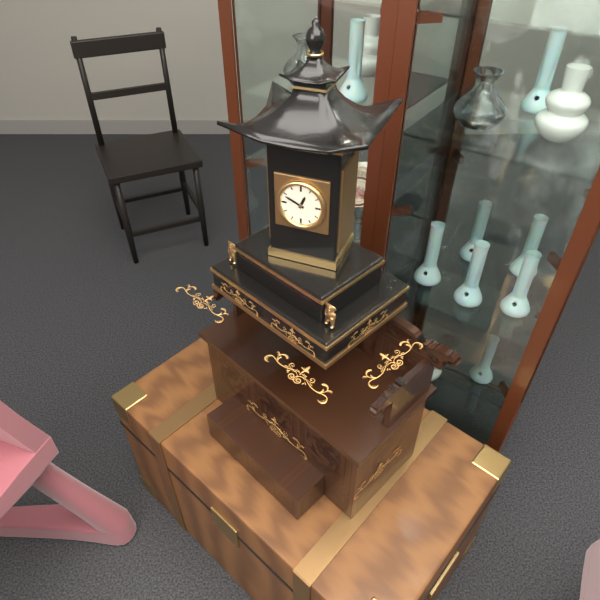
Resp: {"hour": 12, "minute": 49}
